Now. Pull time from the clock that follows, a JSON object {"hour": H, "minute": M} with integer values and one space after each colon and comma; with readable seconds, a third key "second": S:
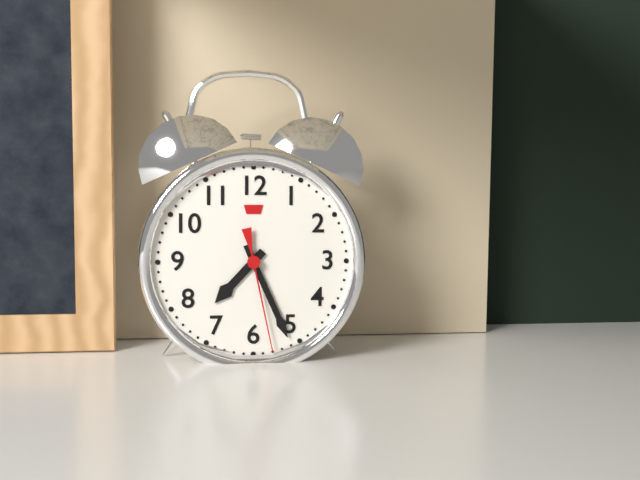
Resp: {"hour": 7, "minute": 26, "second": 28}
